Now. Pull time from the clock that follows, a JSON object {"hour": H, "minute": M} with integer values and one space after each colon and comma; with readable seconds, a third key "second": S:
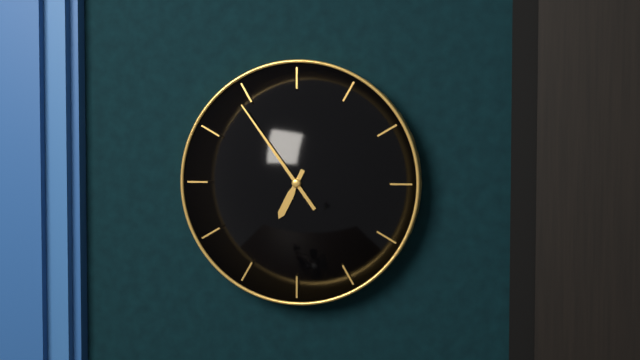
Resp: {"hour": 6, "minute": 54}
